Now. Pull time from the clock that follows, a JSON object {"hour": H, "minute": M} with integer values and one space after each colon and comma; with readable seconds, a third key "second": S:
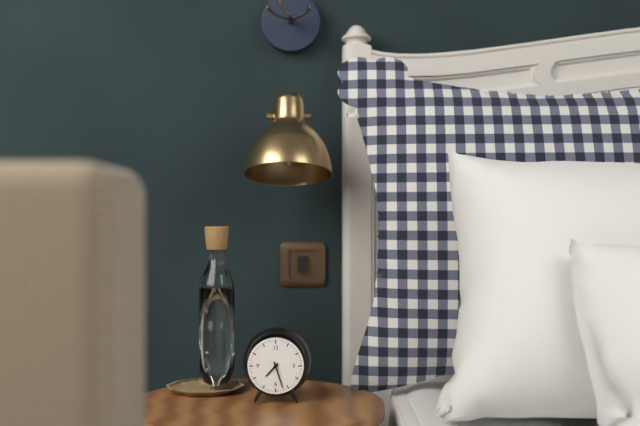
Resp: {"hour": 7, "minute": 27}
